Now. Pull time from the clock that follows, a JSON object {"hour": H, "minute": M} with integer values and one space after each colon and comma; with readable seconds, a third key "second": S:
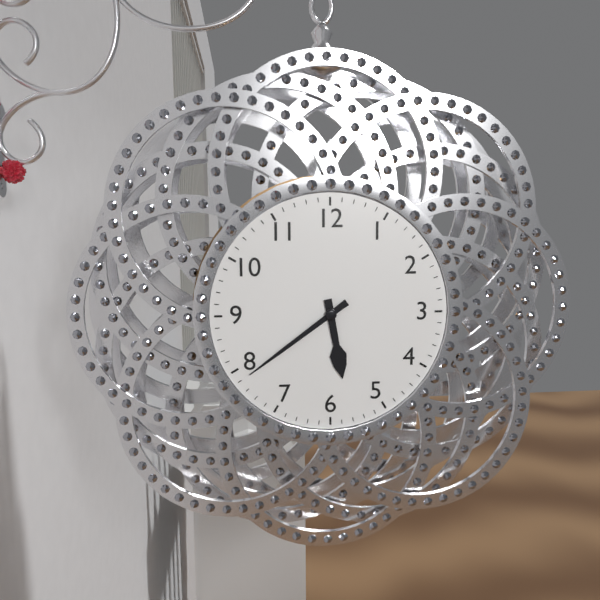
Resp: {"hour": 5, "minute": 39}
